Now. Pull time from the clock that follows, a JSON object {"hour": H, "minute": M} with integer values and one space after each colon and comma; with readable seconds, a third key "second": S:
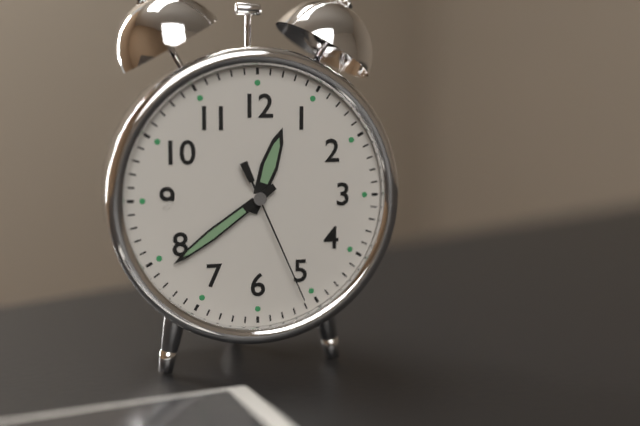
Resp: {"hour": 12, "minute": 39, "second": 26}
